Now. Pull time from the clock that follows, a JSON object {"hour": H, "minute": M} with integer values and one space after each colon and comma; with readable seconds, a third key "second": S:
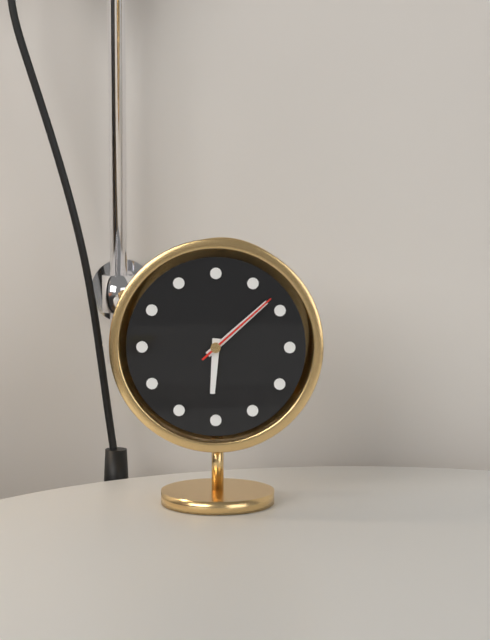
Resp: {"hour": 6, "minute": 8, "second": 8}
